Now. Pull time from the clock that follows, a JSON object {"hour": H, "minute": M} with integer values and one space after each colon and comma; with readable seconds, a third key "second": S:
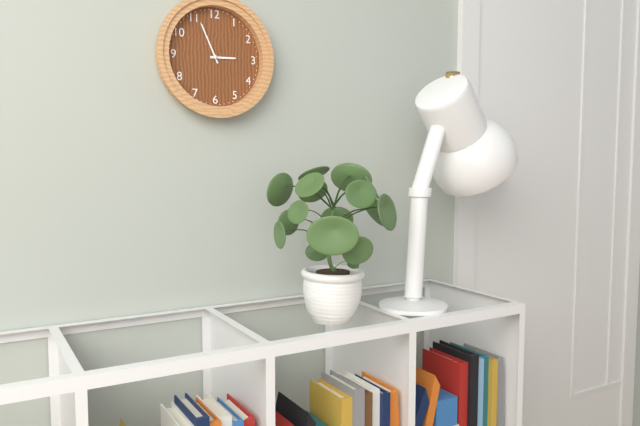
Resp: {"hour": 2, "minute": 56}
